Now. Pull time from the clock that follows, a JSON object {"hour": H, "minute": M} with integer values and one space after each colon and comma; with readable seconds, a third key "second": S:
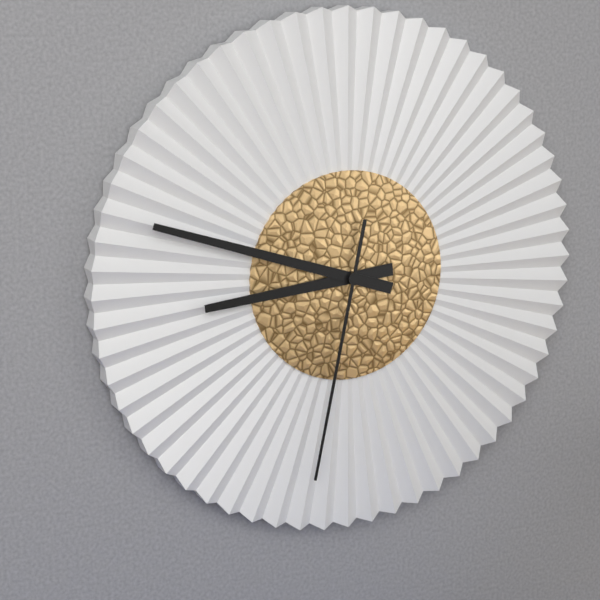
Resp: {"hour": 8, "minute": 48, "second": 32}
